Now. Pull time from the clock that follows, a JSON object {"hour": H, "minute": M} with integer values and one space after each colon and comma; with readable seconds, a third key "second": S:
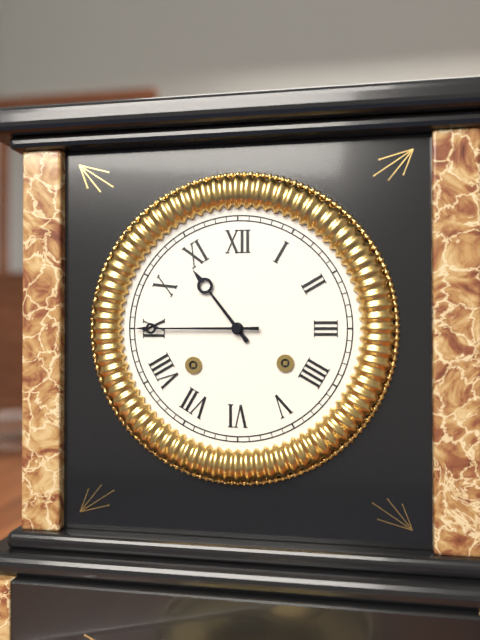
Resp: {"hour": 10, "minute": 45}
